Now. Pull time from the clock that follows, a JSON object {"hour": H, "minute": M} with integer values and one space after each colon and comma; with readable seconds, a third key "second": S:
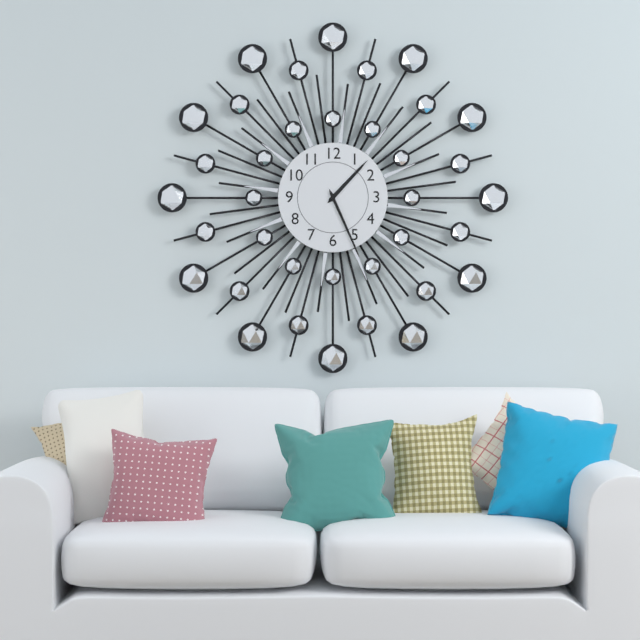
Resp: {"hour": 1, "minute": 26}
